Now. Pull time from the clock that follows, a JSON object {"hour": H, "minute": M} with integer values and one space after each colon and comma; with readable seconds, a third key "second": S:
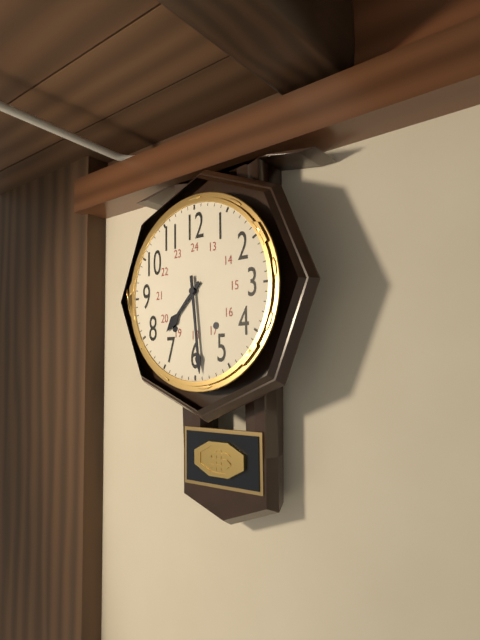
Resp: {"hour": 7, "minute": 29}
